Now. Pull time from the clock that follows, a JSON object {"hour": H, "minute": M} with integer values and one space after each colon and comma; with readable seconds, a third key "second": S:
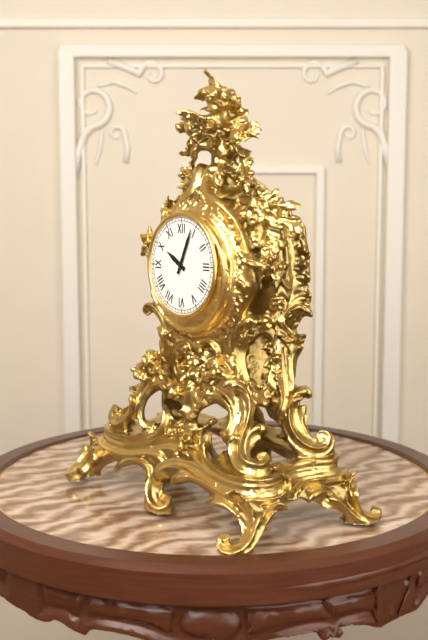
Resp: {"hour": 10, "minute": 4}
